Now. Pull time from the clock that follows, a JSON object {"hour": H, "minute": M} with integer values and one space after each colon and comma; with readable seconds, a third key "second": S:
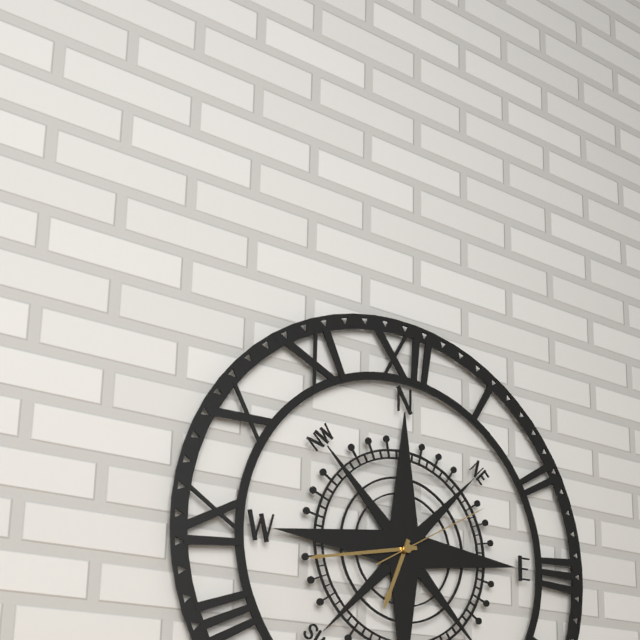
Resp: {"hour": 6, "minute": 43, "second": 10}
